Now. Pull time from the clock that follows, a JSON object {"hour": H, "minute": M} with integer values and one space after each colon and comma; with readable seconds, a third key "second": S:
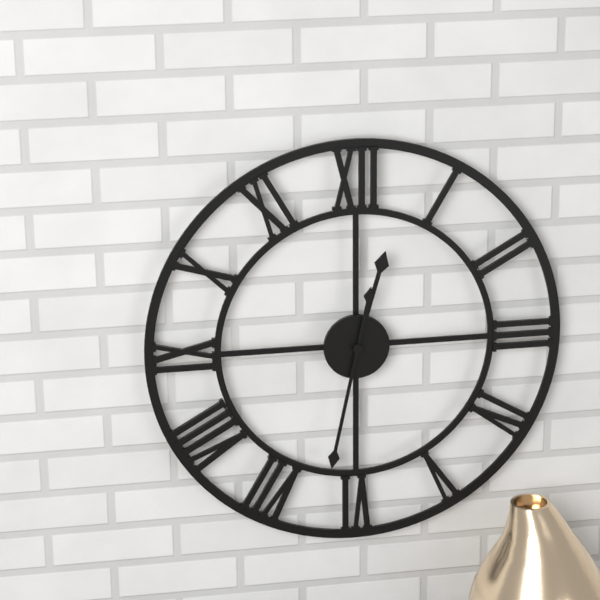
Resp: {"hour": 12, "minute": 32}
